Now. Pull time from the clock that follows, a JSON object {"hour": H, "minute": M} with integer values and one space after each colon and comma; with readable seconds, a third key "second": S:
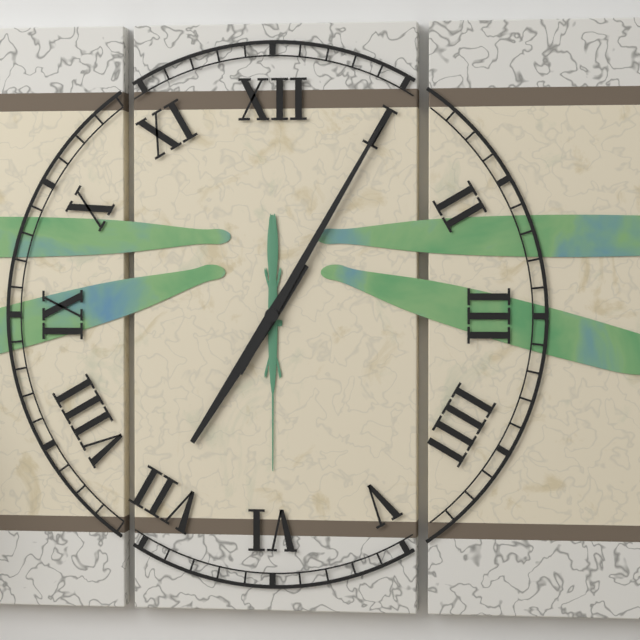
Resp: {"hour": 7, "minute": 5}
